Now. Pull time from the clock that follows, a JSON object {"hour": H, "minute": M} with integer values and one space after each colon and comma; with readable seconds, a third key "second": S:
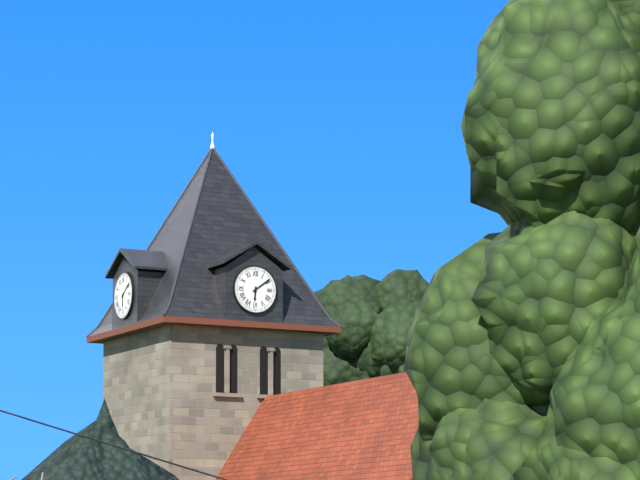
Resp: {"hour": 6, "minute": 9}
